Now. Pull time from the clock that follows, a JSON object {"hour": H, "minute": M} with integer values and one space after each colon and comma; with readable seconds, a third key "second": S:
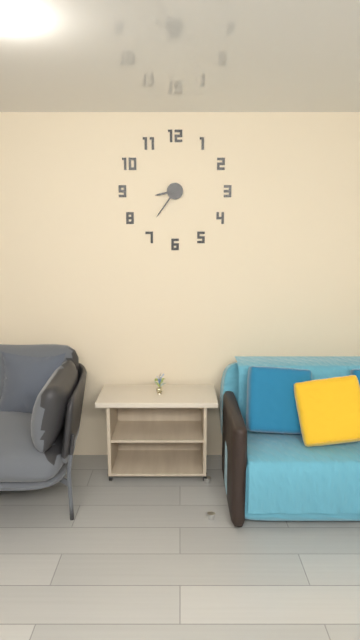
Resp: {"hour": 8, "minute": 36}
